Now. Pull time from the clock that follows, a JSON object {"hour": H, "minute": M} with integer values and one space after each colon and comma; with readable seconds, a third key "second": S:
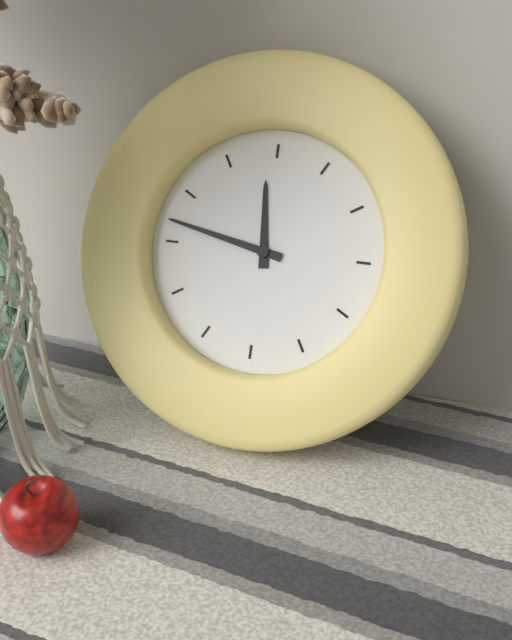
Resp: {"hour": 11, "minute": 47}
